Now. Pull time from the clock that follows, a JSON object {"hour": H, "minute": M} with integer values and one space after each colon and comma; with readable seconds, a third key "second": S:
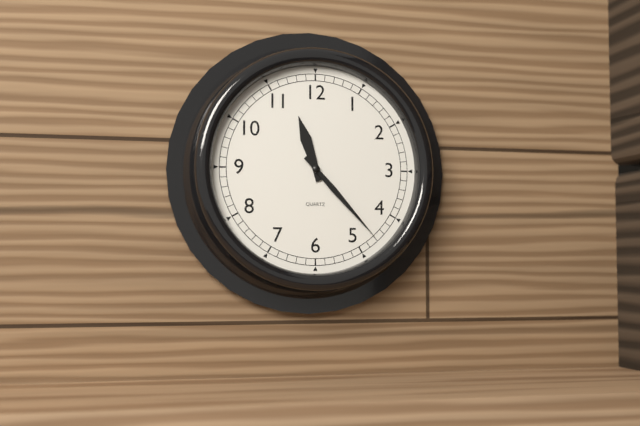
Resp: {"hour": 11, "minute": 23}
